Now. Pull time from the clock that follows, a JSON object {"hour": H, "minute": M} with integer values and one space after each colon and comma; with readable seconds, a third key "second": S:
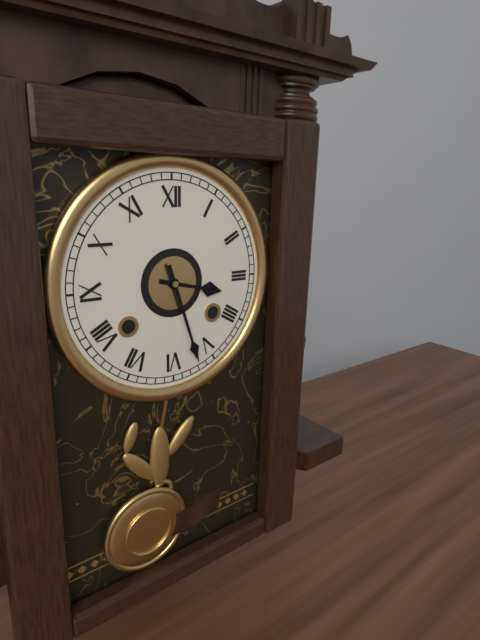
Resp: {"hour": 3, "minute": 27}
